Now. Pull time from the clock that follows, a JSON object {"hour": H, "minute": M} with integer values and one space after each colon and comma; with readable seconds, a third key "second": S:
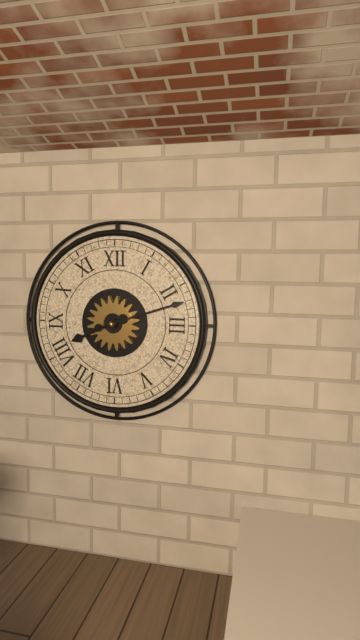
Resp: {"hour": 8, "minute": 12}
